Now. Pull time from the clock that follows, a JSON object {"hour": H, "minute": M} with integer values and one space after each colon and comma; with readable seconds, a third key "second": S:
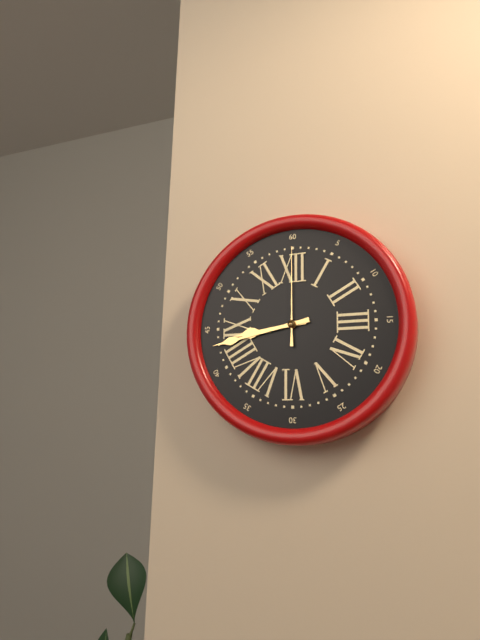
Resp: {"hour": 8, "minute": 43, "second": 0}
